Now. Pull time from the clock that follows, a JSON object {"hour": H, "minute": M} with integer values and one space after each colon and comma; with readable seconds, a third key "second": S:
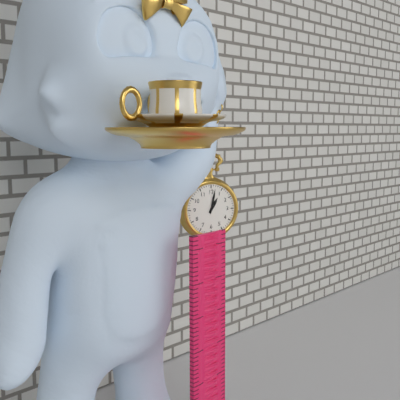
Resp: {"hour": 1, "minute": 2}
